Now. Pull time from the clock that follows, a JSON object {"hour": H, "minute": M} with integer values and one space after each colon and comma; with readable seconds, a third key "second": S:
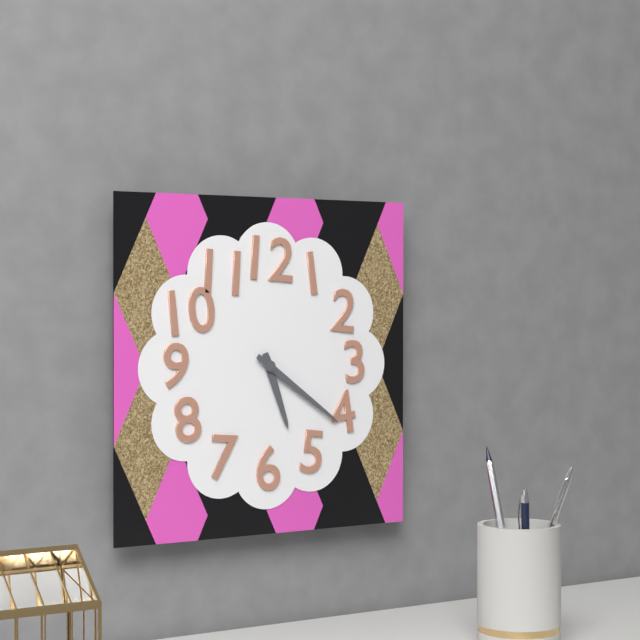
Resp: {"hour": 5, "minute": 21}
